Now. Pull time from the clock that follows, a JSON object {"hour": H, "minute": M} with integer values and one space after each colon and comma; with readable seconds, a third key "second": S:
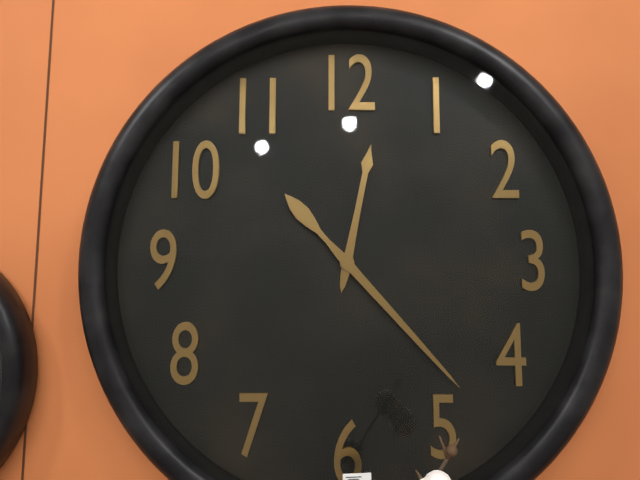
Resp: {"hour": 12, "minute": 23}
